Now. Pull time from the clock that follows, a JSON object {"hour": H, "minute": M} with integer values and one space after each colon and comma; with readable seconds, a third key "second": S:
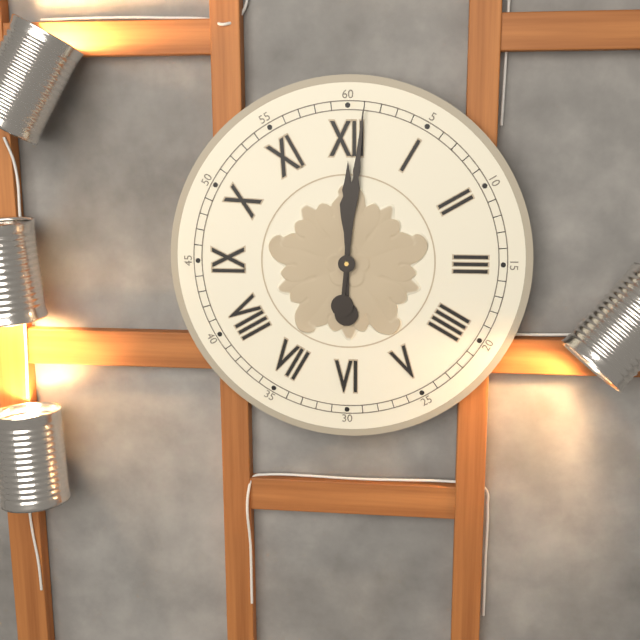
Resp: {"hour": 12, "minute": 1}
